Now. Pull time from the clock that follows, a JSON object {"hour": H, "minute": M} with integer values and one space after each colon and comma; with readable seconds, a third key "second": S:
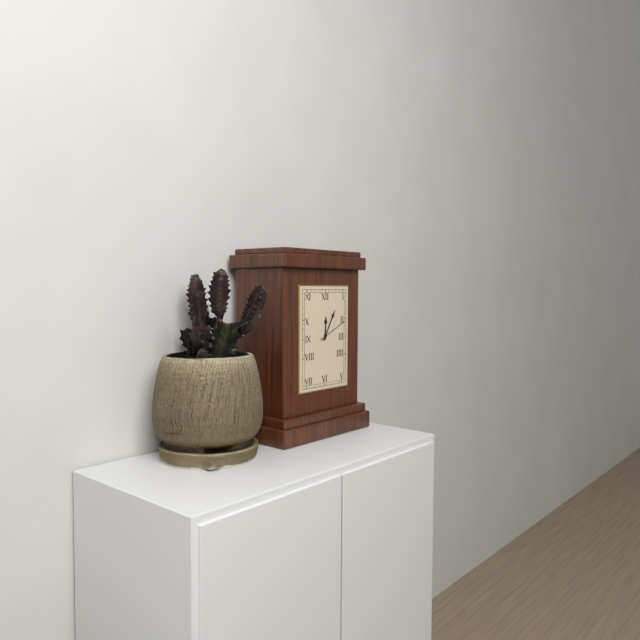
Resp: {"hour": 12, "minute": 5, "second": 11}
